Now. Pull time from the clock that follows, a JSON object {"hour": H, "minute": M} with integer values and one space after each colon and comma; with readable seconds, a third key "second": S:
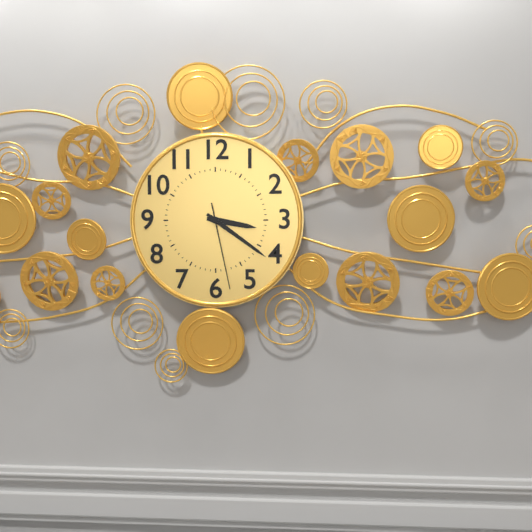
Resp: {"hour": 3, "minute": 21, "second": 28}
